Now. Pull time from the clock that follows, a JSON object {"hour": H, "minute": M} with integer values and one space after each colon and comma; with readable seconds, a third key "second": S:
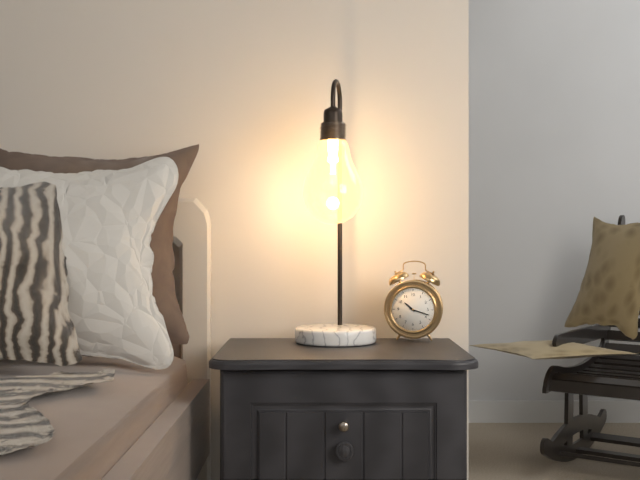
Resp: {"hour": 10, "minute": 18}
